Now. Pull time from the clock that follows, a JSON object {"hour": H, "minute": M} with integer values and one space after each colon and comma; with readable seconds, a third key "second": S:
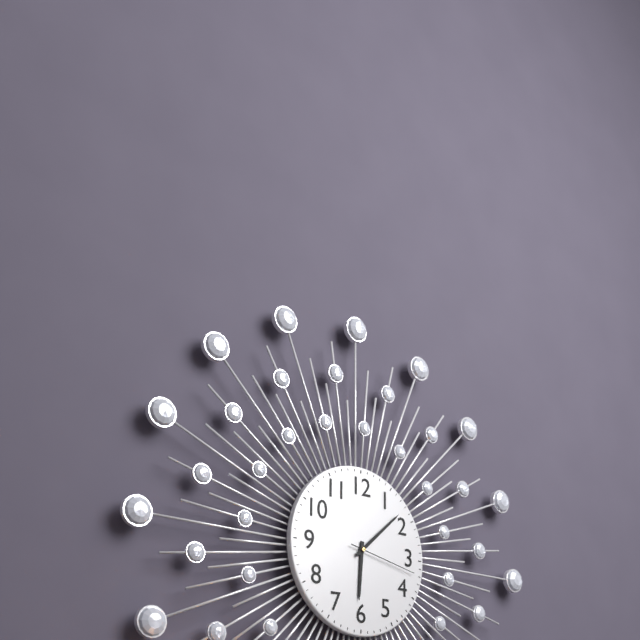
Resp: {"hour": 6, "minute": 8, "second": 17}
